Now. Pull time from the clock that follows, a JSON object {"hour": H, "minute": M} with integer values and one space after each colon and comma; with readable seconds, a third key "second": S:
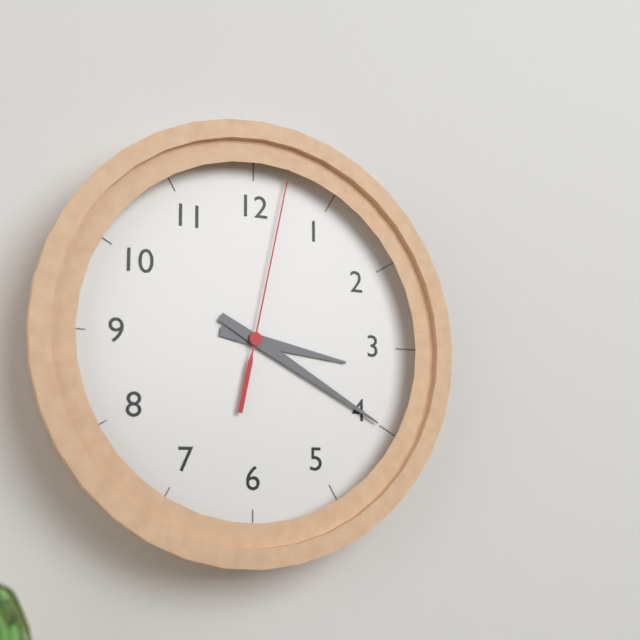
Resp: {"hour": 3, "minute": 20, "second": 2}
